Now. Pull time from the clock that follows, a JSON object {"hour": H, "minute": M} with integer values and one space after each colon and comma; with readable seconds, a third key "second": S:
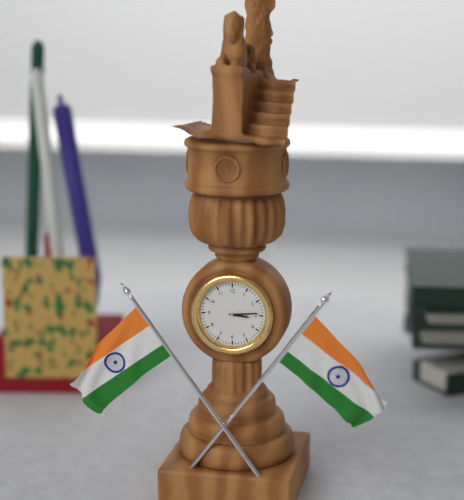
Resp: {"hour": 3, "minute": 14}
